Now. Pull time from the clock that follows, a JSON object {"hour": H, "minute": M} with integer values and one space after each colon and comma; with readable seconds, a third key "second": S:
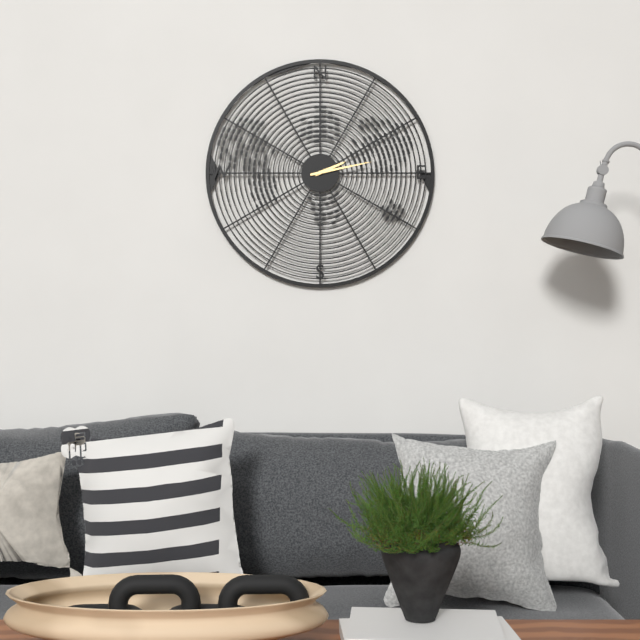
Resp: {"hour": 2, "minute": 13}
